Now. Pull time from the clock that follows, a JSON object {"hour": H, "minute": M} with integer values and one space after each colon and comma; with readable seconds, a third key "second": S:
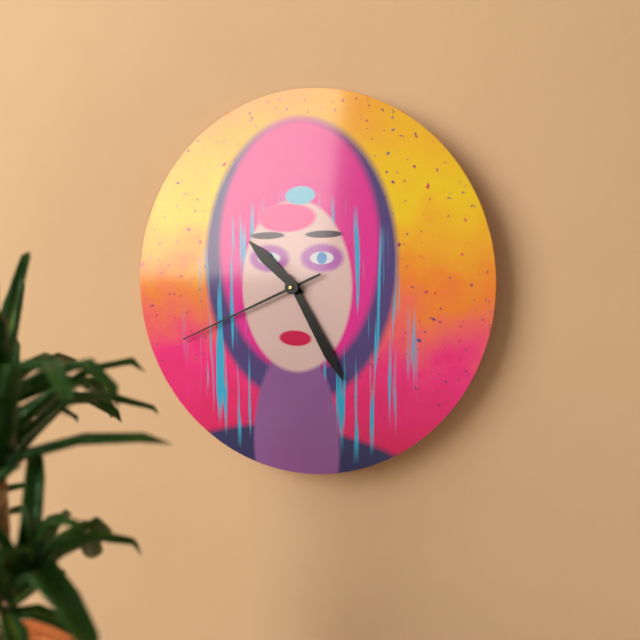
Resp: {"hour": 10, "minute": 25, "second": 41}
